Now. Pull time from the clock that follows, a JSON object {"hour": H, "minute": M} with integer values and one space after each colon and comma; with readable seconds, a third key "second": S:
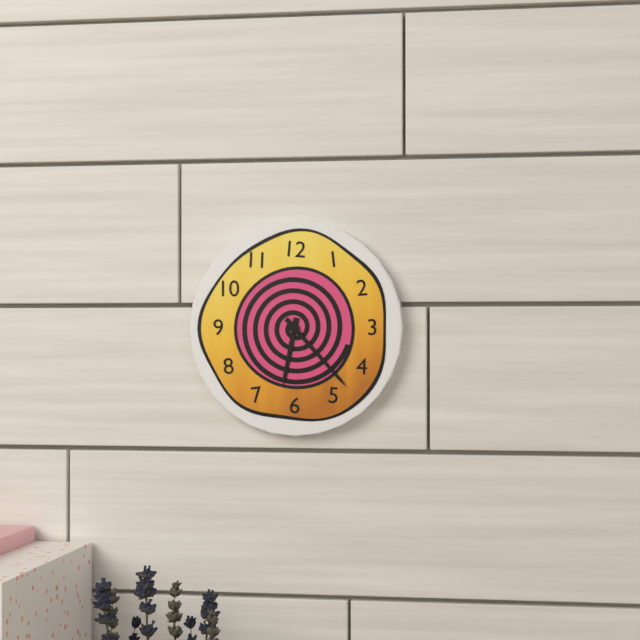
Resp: {"hour": 6, "minute": 23}
